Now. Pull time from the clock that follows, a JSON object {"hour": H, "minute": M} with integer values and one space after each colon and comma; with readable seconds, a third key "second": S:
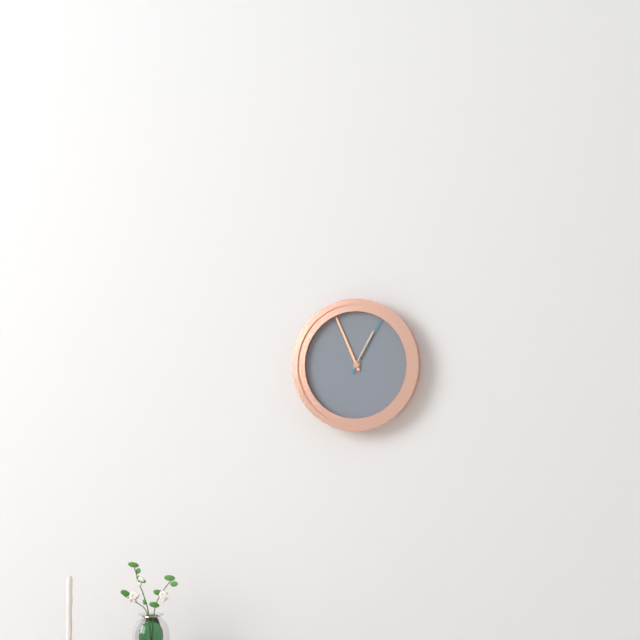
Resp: {"hour": 12, "minute": 56, "second": 5}
